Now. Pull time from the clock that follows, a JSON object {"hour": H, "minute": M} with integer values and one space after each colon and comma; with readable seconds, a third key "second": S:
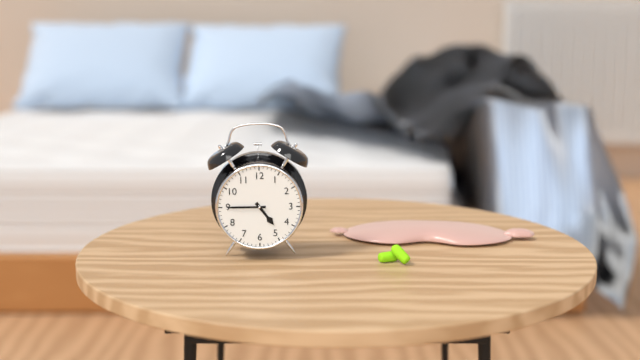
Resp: {"hour": 4, "minute": 45}
